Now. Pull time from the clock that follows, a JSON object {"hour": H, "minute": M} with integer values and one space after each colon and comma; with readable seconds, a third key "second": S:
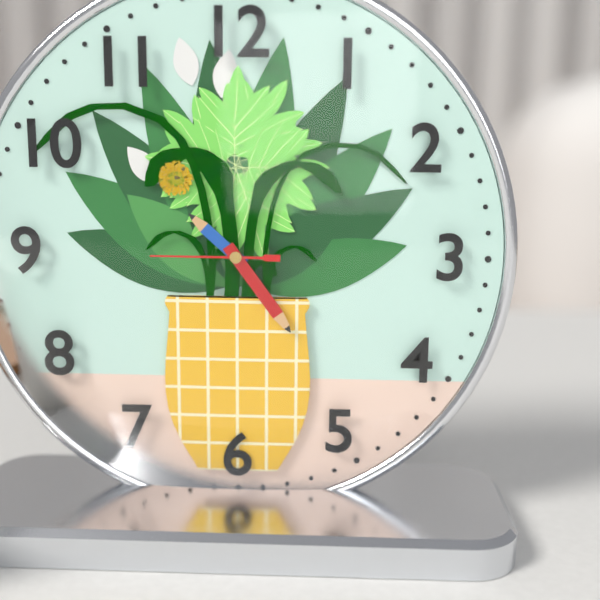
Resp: {"hour": 10, "minute": 24, "second": 45}
